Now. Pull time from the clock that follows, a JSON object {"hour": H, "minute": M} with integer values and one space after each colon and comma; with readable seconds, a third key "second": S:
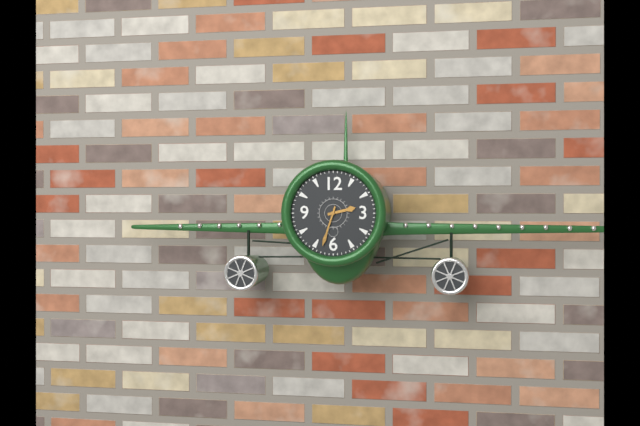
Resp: {"hour": 2, "minute": 33}
